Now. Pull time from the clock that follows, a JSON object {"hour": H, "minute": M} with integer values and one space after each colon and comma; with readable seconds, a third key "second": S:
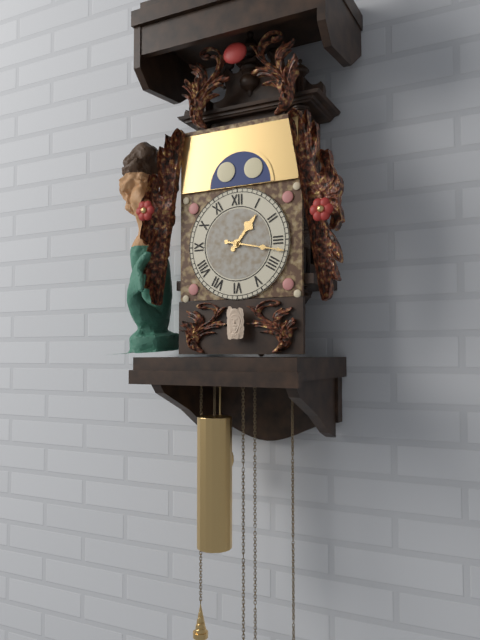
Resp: {"hour": 1, "minute": 17}
